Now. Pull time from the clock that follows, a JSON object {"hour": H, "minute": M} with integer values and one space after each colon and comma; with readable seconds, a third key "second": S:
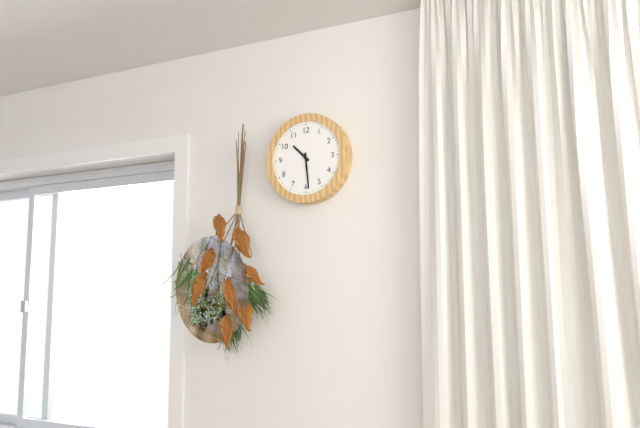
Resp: {"hour": 10, "minute": 29}
